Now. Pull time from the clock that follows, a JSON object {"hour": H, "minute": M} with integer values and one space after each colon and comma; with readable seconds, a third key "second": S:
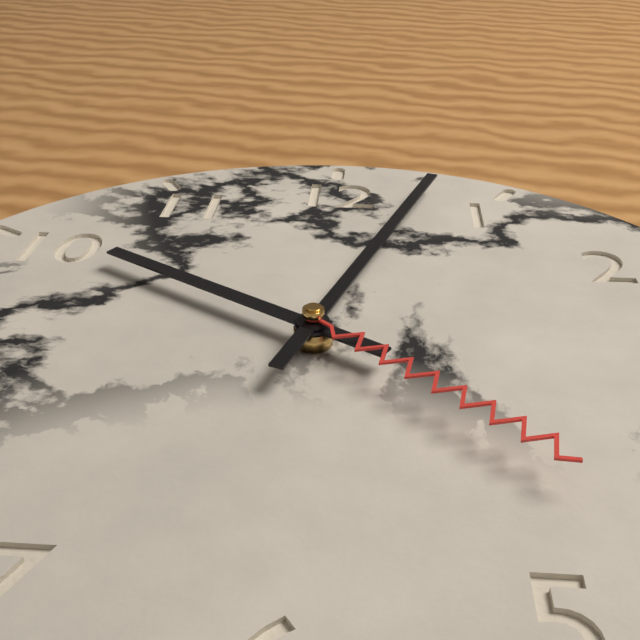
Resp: {"hour": 10, "minute": 3, "second": 22}
